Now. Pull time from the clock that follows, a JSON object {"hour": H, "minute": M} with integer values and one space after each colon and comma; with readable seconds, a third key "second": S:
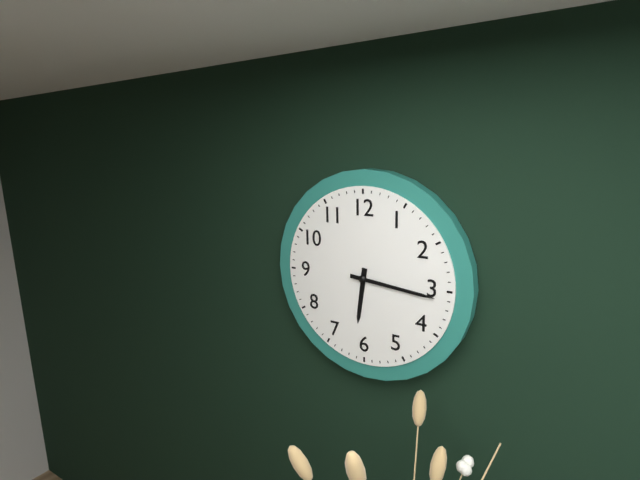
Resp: {"hour": 6, "minute": 16}
